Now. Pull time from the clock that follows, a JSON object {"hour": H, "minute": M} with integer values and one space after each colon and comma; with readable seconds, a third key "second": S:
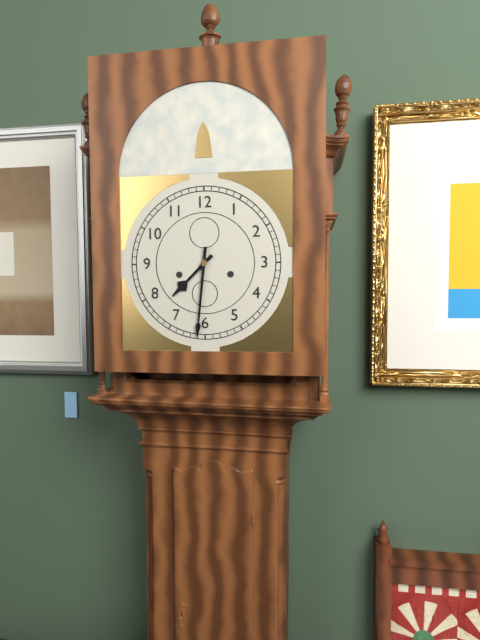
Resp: {"hour": 7, "minute": 31}
